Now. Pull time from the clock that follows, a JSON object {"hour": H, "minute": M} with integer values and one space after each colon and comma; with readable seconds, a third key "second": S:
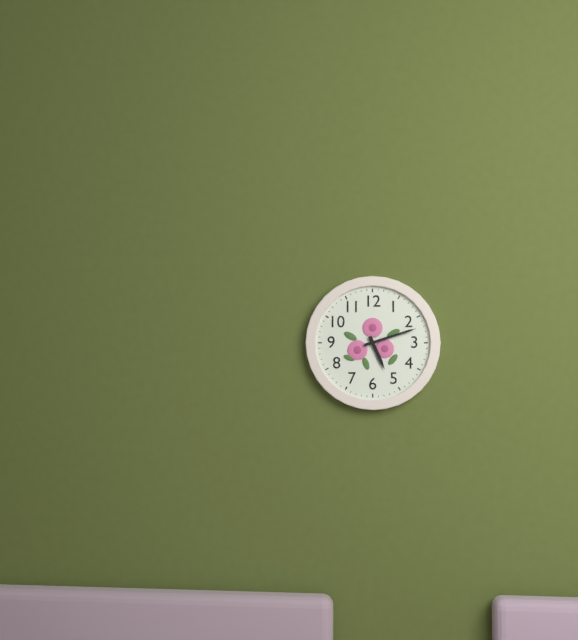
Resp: {"hour": 5, "minute": 12}
